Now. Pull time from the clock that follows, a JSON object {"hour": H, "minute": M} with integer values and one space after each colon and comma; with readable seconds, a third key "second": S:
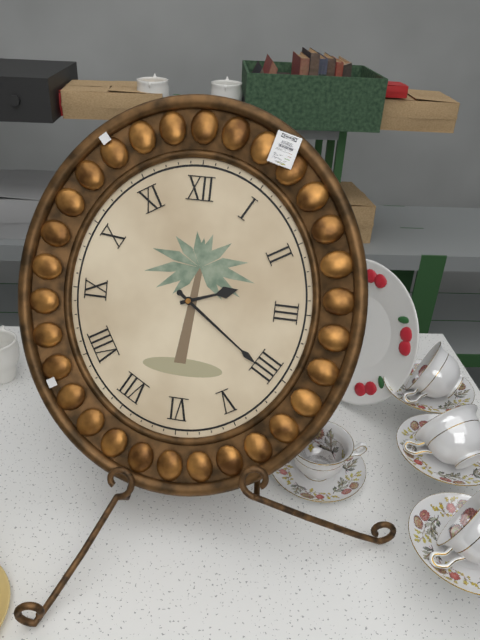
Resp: {"hour": 2, "minute": 21}
